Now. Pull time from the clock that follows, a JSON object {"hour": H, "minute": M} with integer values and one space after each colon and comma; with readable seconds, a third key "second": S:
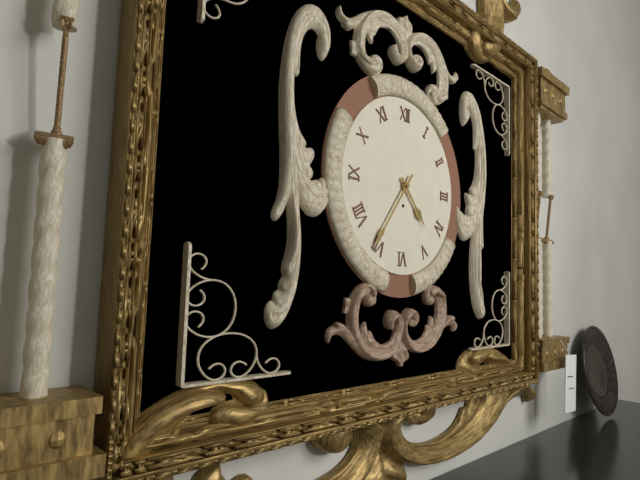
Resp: {"hour": 4, "minute": 36}
